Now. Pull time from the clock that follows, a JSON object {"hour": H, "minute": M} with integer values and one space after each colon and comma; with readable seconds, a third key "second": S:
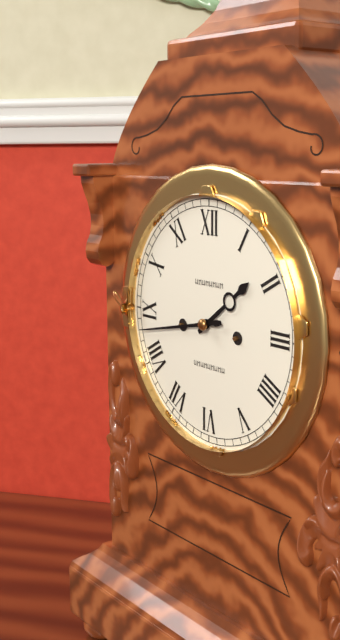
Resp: {"hour": 1, "minute": 43}
